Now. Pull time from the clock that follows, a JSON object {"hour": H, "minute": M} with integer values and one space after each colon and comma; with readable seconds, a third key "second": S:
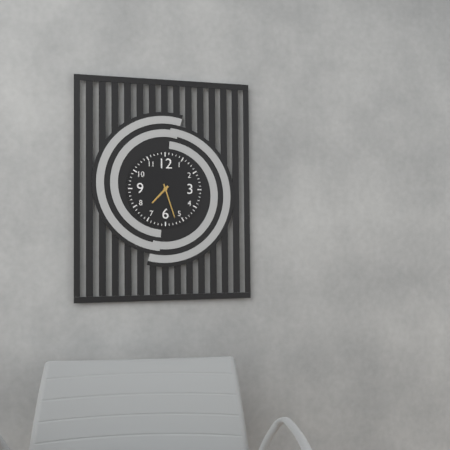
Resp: {"hour": 7, "minute": 27}
